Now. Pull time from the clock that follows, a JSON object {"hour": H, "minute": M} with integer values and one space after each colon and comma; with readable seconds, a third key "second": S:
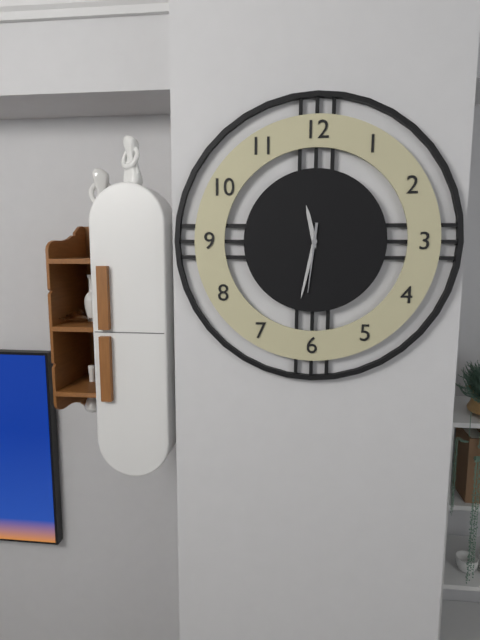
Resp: {"hour": 11, "minute": 32, "second": 31}
